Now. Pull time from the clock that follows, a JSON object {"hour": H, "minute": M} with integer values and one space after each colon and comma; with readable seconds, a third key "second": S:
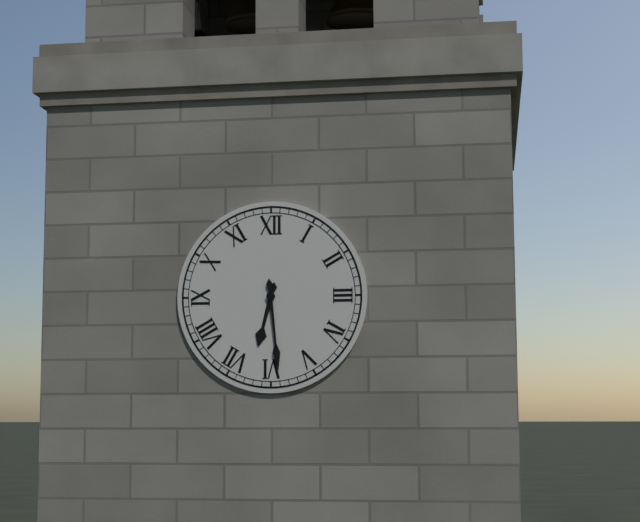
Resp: {"hour": 6, "minute": 29}
